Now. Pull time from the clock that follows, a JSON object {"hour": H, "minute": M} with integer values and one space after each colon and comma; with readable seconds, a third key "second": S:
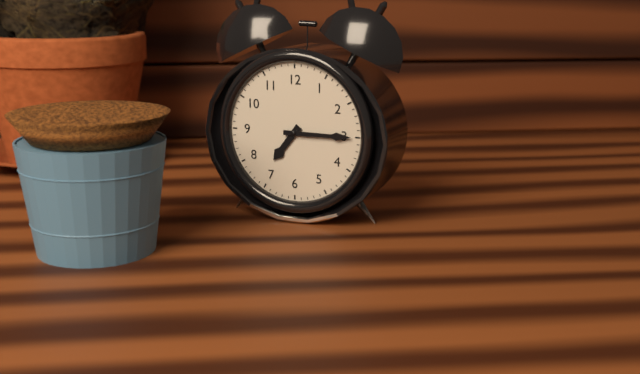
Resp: {"hour": 7, "minute": 15}
